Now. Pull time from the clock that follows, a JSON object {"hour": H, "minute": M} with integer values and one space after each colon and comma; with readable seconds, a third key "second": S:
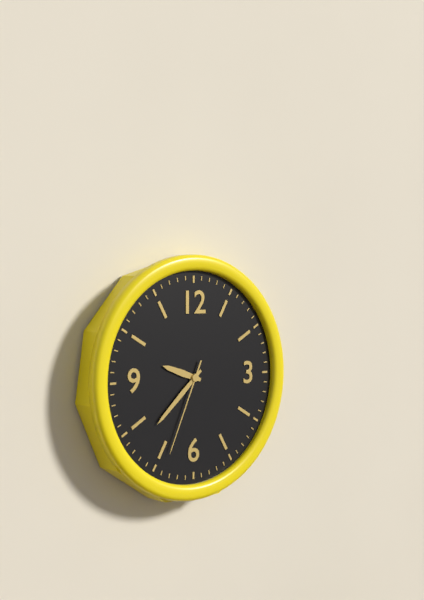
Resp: {"hour": 9, "minute": 38, "second": 34}
